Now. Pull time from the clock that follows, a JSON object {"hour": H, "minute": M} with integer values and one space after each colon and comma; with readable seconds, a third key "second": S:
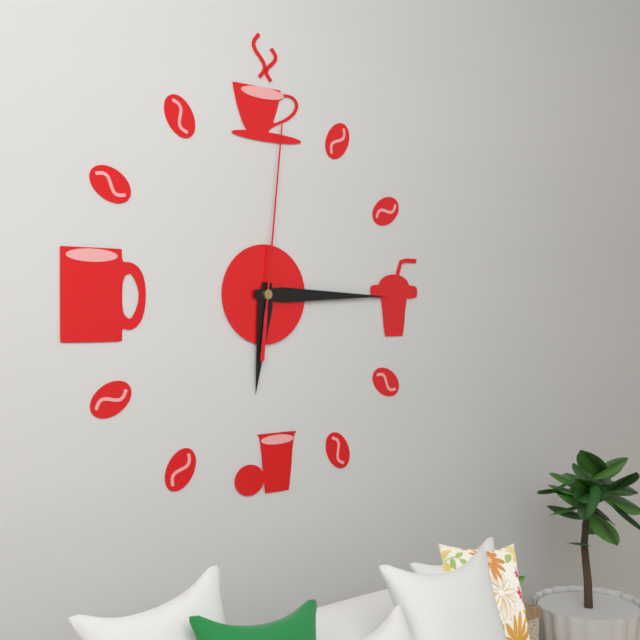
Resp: {"hour": 6, "minute": 15, "second": 1}
